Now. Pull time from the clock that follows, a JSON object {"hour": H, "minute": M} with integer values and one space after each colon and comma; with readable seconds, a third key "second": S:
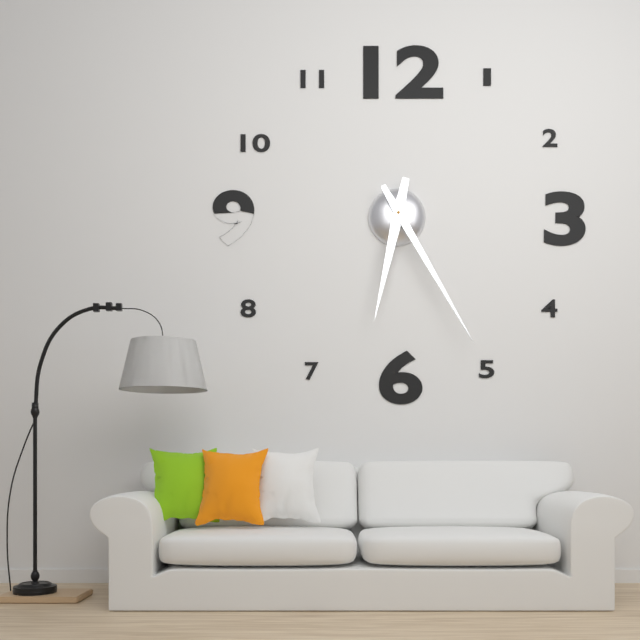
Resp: {"hour": 6, "minute": 25}
